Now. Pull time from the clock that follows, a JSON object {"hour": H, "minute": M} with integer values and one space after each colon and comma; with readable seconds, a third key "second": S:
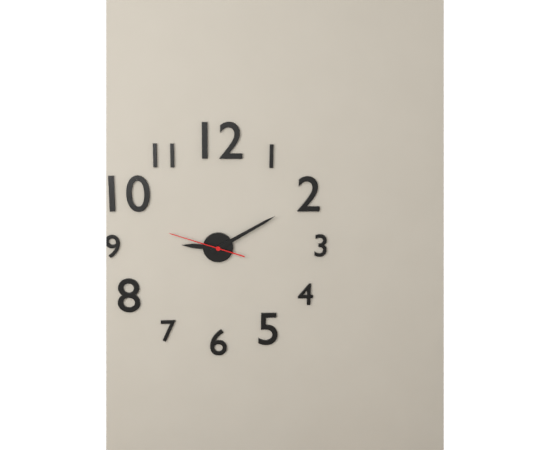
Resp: {"hour": 9, "minute": 10, "second": 48}
